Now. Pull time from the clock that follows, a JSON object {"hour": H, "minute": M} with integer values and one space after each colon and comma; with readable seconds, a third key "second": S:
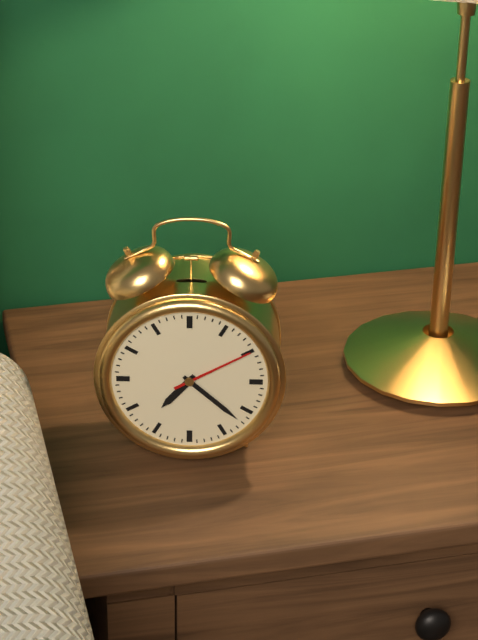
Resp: {"hour": 7, "minute": 22, "second": 10}
